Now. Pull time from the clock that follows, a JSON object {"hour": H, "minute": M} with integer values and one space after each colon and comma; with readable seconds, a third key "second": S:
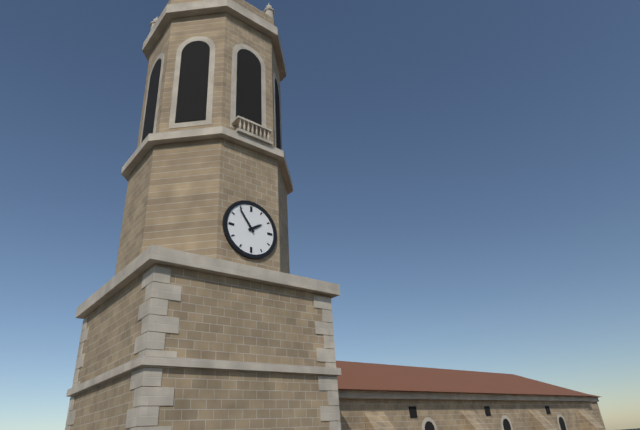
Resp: {"hour": 1, "minute": 54}
